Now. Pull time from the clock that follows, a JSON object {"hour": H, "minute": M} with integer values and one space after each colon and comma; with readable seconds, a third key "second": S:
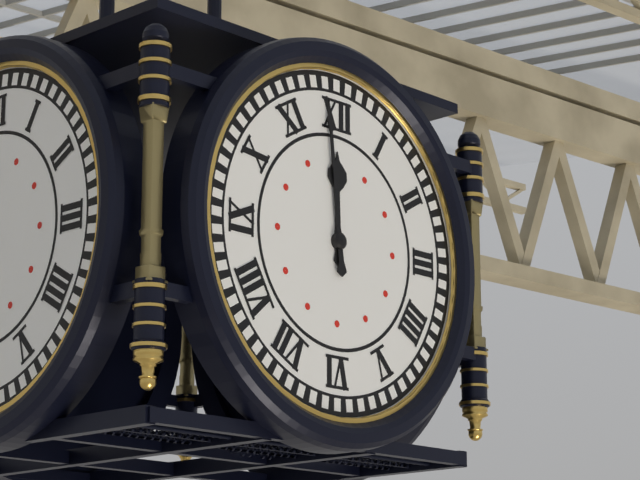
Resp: {"hour": 11, "minute": 59}
